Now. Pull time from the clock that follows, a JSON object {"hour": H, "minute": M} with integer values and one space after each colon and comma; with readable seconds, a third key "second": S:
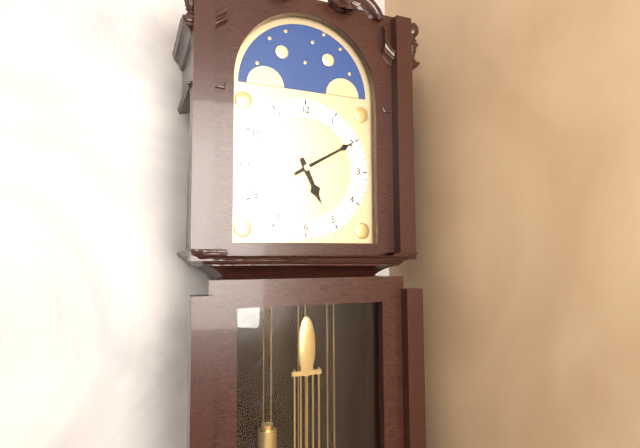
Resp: {"hour": 5, "minute": 10}
